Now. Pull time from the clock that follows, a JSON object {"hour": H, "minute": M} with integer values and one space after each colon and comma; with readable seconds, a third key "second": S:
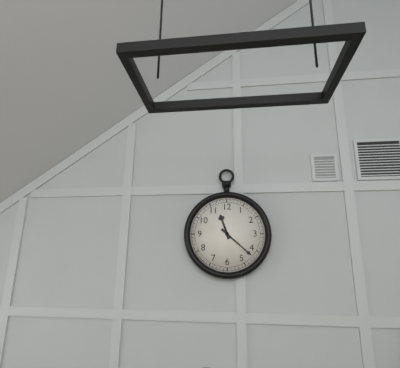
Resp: {"hour": 11, "minute": 22}
